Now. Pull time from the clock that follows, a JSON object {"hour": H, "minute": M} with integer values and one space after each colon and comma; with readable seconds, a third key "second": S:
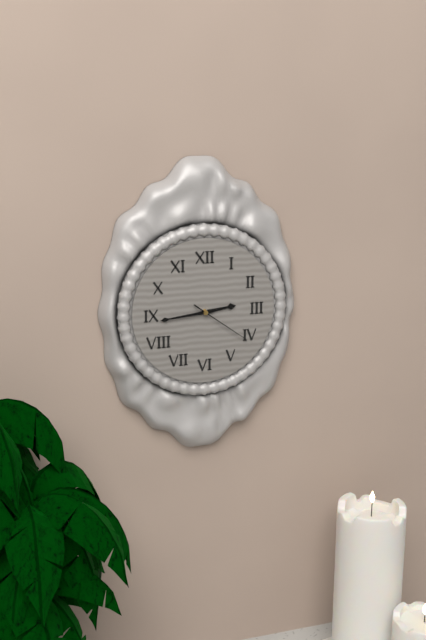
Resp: {"hour": 2, "minute": 44, "second": 21}
